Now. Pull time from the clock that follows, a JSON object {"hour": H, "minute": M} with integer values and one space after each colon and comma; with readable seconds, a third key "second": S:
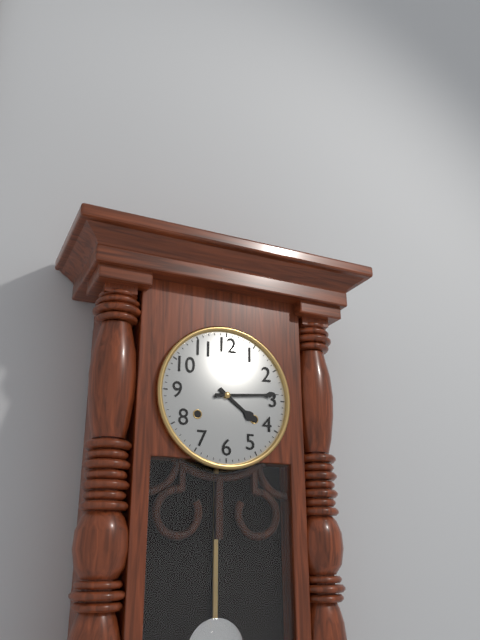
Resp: {"hour": 4, "minute": 14}
